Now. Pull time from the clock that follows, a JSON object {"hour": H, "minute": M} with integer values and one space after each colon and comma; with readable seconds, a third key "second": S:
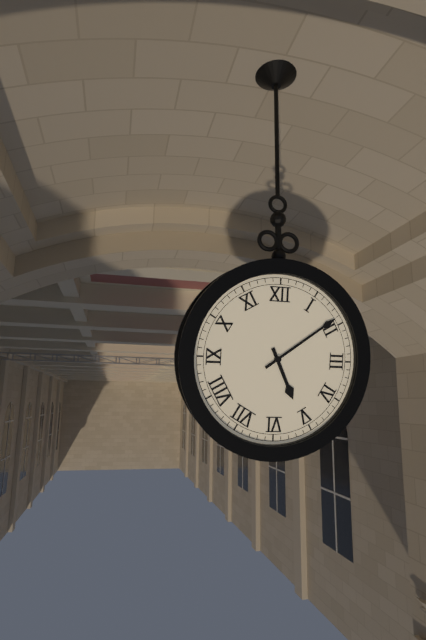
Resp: {"hour": 5, "minute": 9}
